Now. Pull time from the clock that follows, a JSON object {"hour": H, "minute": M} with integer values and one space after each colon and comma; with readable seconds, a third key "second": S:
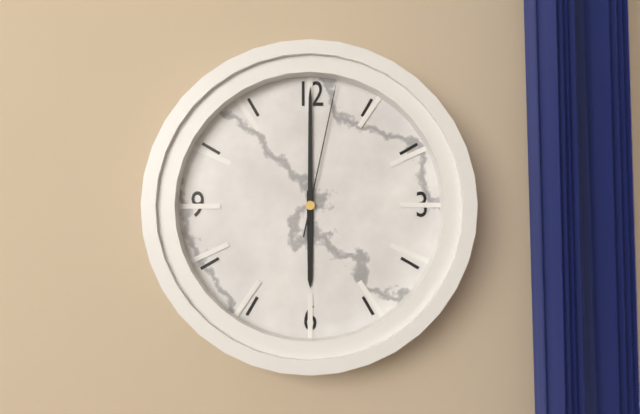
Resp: {"hour": 6, "minute": 0, "second": 2}
